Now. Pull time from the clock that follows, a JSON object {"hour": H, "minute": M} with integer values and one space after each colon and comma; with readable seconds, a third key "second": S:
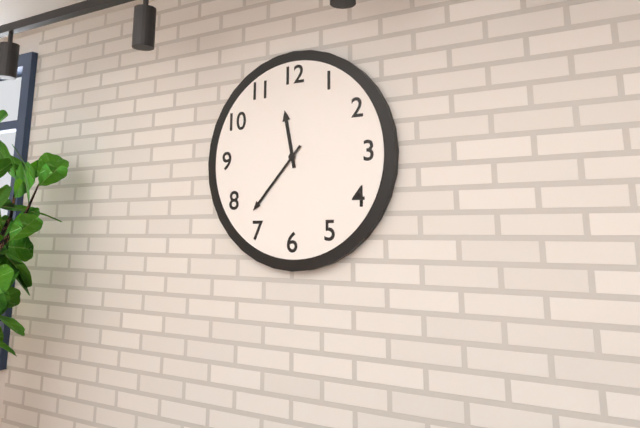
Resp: {"hour": 11, "minute": 37}
